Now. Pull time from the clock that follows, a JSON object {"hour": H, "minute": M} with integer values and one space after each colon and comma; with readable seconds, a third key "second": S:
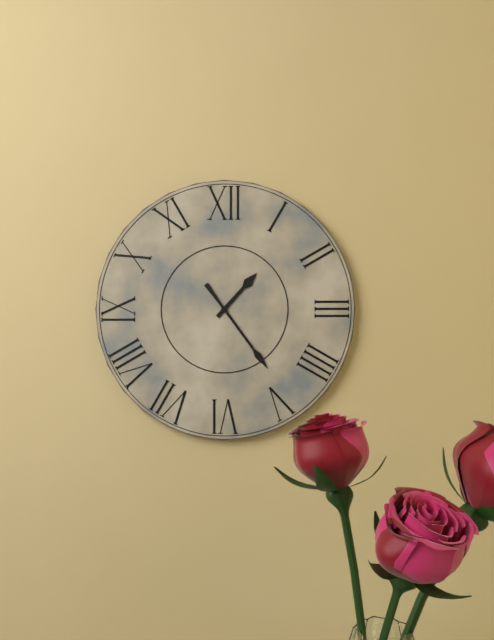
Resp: {"hour": 1, "minute": 24}
